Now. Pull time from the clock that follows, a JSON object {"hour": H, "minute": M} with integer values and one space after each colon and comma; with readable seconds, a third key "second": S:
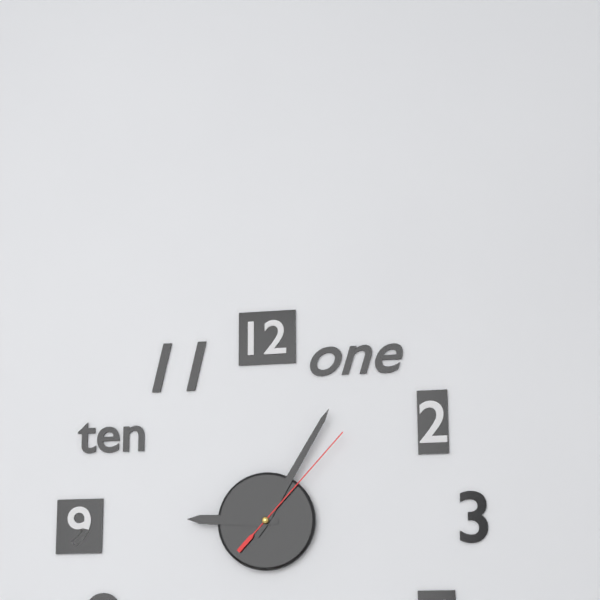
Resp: {"hour": 9, "minute": 5, "second": 7}
